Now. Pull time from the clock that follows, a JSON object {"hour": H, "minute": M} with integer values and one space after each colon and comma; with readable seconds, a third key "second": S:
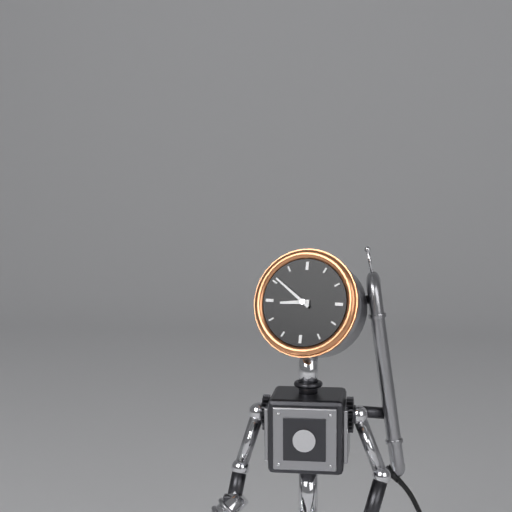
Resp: {"hour": 8, "minute": 51}
